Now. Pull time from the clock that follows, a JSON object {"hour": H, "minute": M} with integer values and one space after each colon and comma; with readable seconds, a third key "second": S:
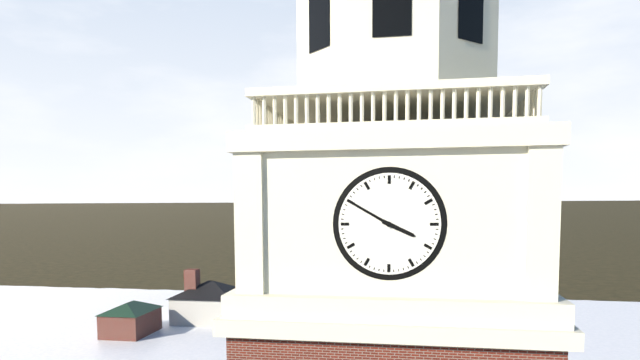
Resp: {"hour": 3, "minute": 50}
